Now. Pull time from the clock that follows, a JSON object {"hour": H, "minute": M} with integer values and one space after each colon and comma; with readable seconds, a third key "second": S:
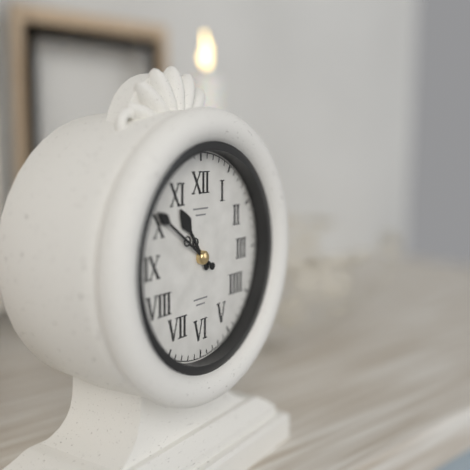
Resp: {"hour": 10, "minute": 51}
